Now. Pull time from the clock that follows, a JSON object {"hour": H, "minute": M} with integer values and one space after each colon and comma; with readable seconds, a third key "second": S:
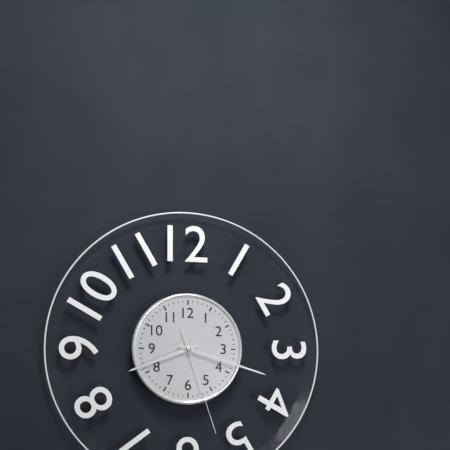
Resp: {"hour": 8, "minute": 18, "second": 27}
